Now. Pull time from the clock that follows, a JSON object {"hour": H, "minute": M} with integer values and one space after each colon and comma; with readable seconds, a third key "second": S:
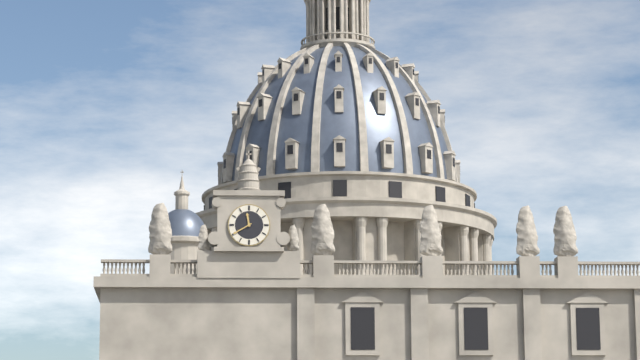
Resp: {"hour": 11, "minute": 40}
